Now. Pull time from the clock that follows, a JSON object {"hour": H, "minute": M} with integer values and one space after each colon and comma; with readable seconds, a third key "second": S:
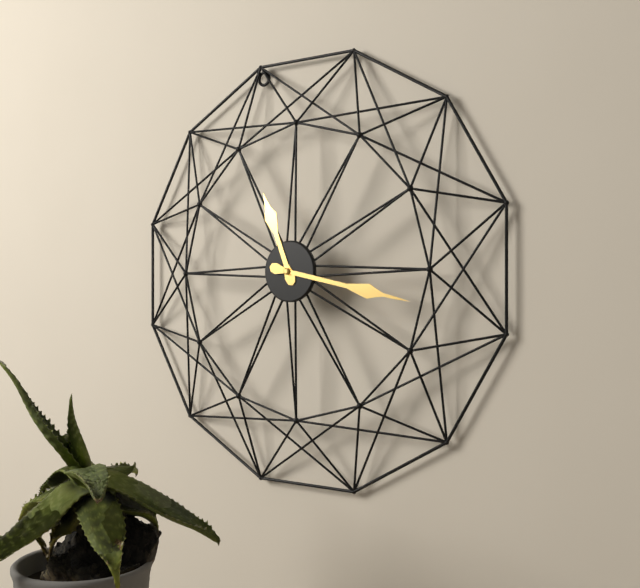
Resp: {"hour": 11, "minute": 17}
